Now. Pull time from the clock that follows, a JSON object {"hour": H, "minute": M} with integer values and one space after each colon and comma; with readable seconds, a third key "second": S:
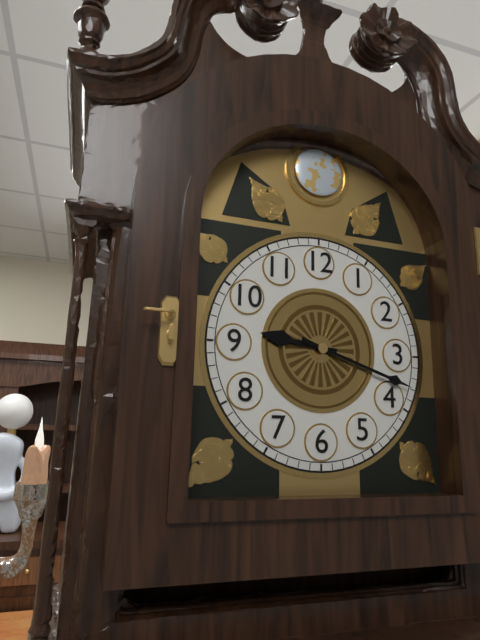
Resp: {"hour": 9, "minute": 18}
